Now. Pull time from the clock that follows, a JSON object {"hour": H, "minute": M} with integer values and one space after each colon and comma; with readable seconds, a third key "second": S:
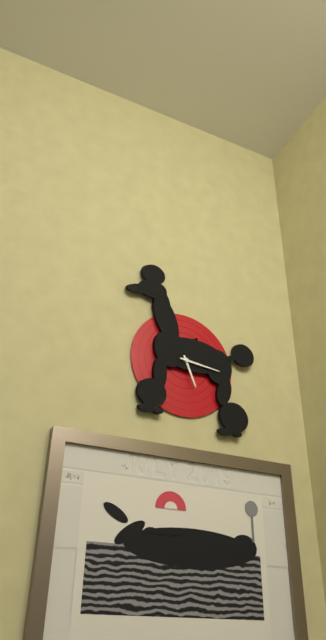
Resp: {"hour": 5, "minute": 16}
